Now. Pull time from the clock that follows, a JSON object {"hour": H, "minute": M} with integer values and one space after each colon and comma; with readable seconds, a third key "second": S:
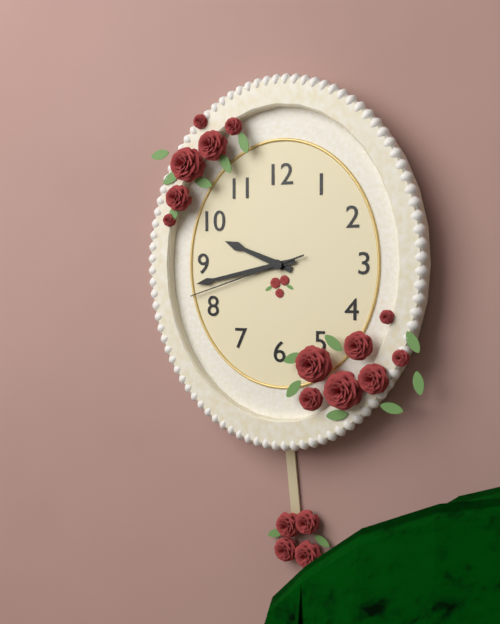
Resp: {"hour": 9, "minute": 43, "second": 42}
